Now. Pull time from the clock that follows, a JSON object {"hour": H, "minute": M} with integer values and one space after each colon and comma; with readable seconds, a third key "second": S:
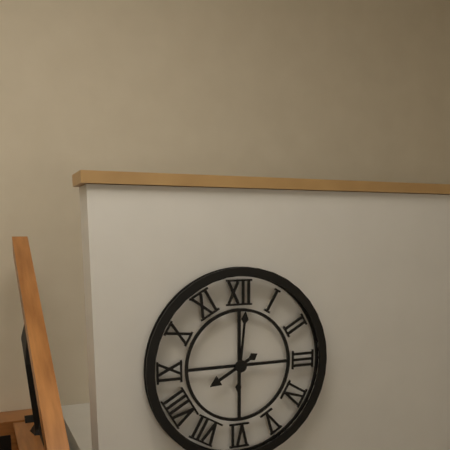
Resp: {"hour": 8, "minute": 1}
